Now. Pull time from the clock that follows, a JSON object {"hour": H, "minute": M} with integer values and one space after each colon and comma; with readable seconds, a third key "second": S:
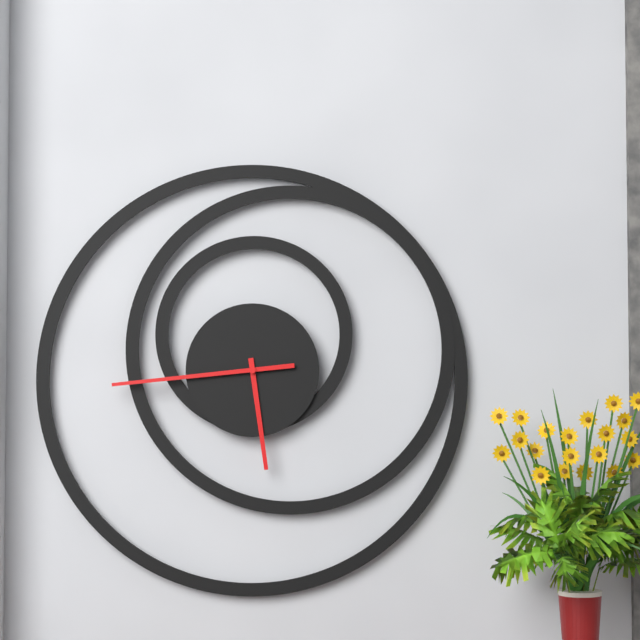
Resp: {"hour": 5, "minute": 44}
